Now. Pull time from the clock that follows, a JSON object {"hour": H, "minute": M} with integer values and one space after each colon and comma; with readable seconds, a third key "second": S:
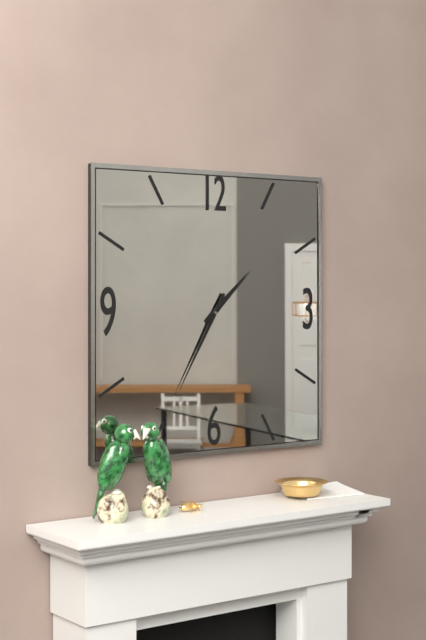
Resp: {"hour": 1, "minute": 35}
